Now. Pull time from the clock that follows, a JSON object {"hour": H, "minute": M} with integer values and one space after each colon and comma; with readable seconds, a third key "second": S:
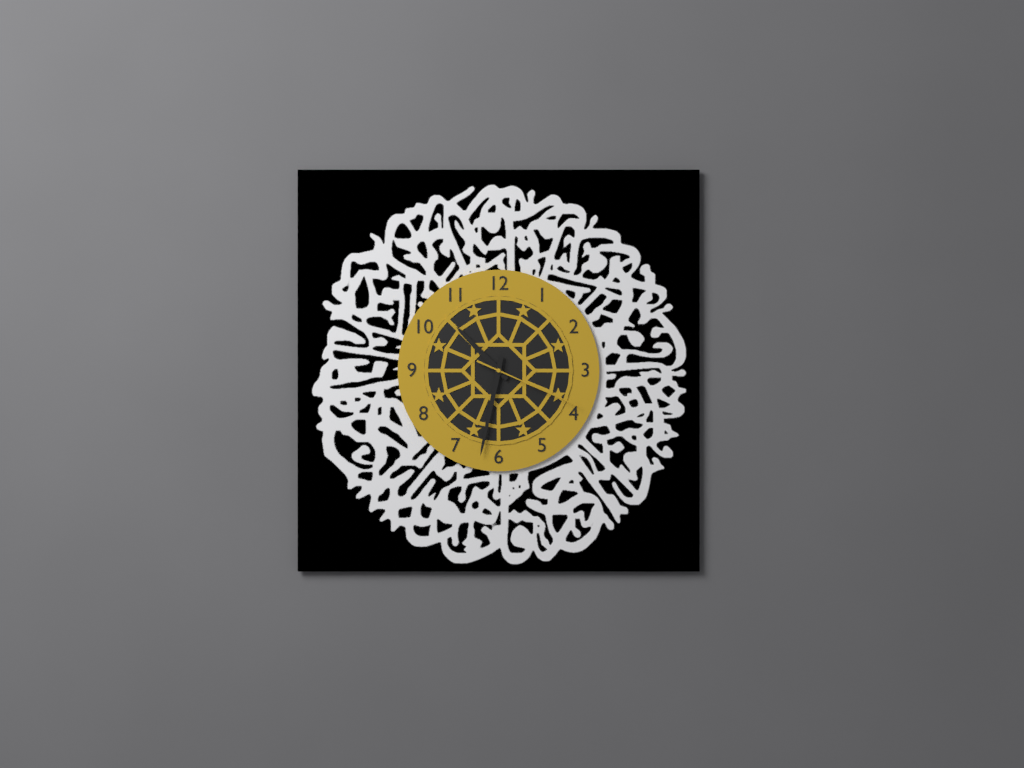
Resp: {"hour": 10, "minute": 32, "second": 19}
